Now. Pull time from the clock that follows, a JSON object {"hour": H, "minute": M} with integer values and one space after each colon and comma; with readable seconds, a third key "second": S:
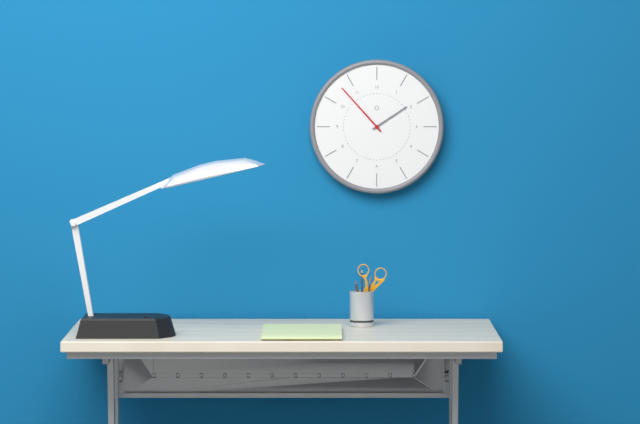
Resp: {"hour": 1, "minute": 53}
